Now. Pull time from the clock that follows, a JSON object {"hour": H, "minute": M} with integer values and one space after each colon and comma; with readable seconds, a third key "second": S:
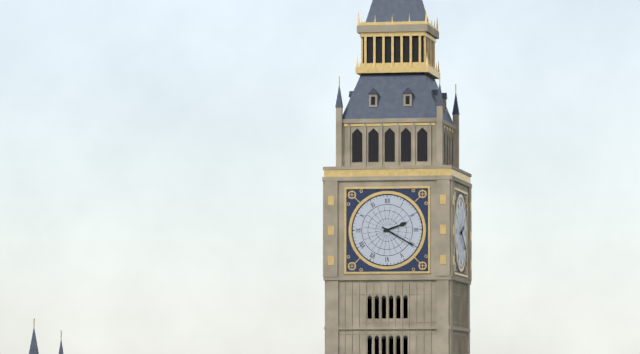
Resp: {"hour": 2, "minute": 20}
